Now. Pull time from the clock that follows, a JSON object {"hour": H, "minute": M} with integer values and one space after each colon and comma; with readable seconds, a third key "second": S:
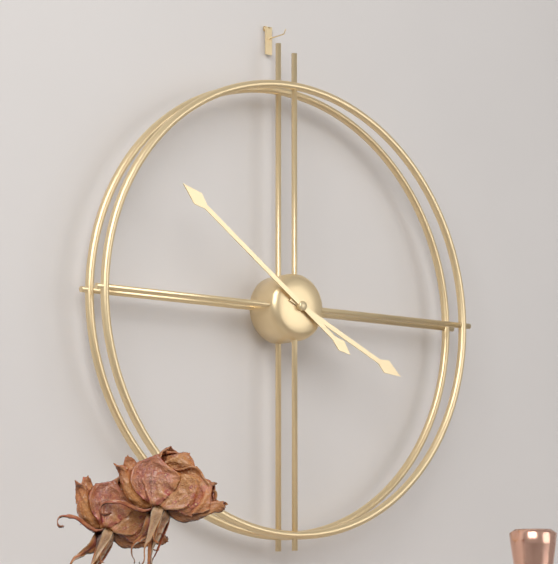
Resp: {"hour": 3, "minute": 51}
